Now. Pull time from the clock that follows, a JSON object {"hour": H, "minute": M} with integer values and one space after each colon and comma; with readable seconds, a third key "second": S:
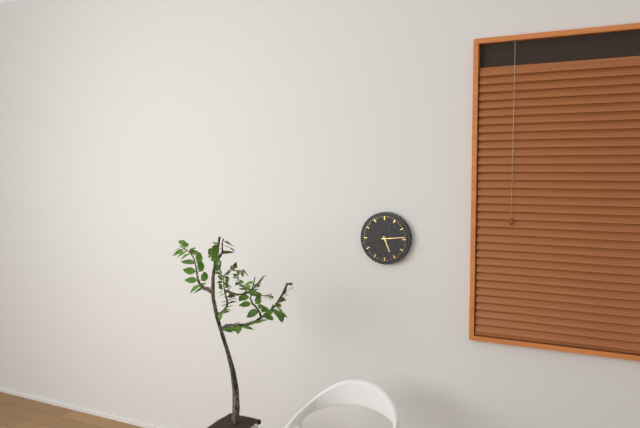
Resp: {"hour": 5, "minute": 14}
